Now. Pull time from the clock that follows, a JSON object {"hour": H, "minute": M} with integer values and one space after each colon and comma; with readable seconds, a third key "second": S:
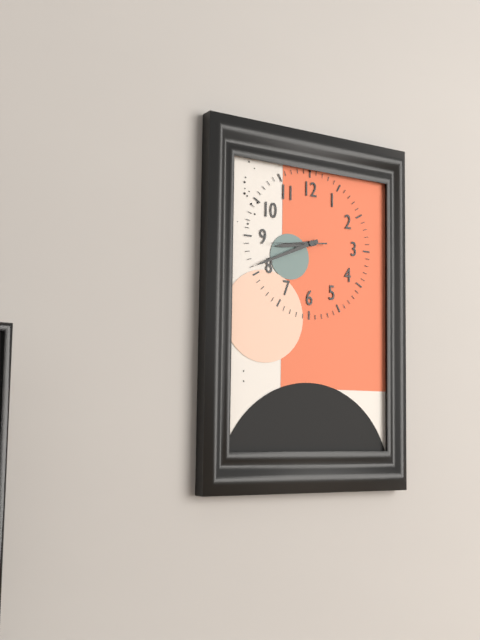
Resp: {"hour": 8, "minute": 41, "second": 44}
